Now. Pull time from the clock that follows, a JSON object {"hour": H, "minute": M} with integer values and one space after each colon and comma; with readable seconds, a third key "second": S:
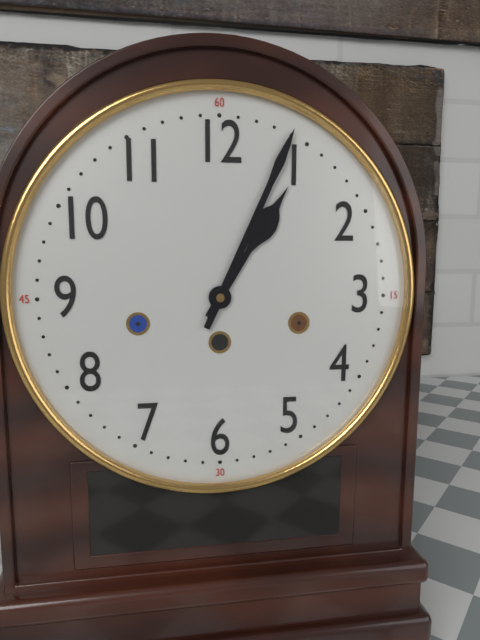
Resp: {"hour": 1, "minute": 4}
